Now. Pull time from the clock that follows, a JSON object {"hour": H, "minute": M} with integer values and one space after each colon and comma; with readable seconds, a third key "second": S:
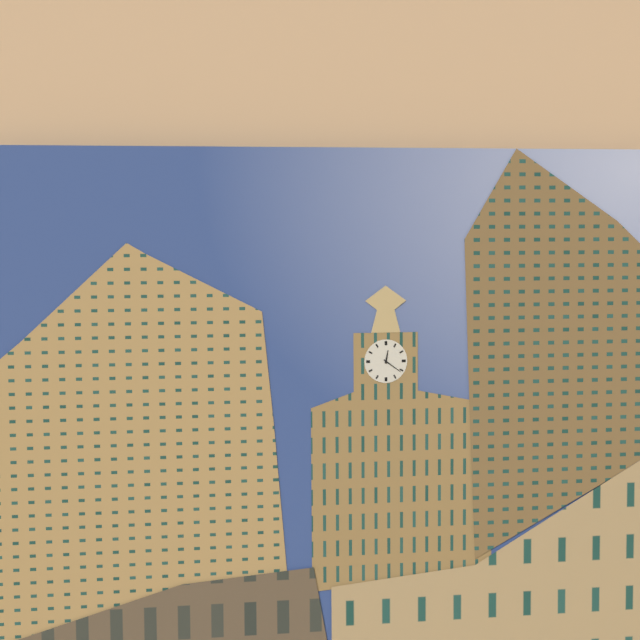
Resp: {"hour": 12, "minute": 21}
